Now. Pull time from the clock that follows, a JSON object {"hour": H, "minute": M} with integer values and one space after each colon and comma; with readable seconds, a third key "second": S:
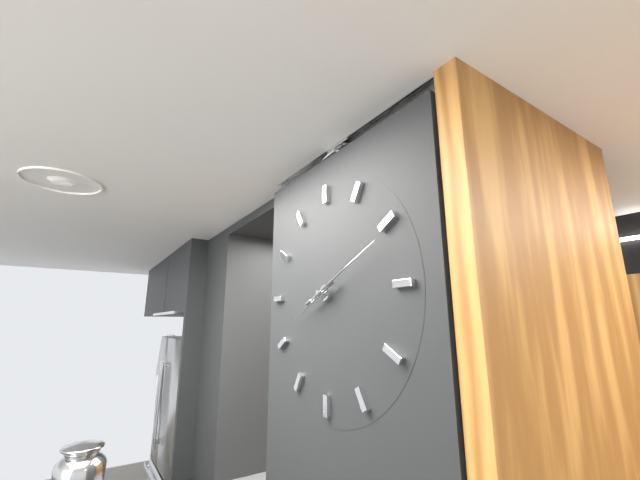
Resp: {"hour": 8, "minute": 11}
